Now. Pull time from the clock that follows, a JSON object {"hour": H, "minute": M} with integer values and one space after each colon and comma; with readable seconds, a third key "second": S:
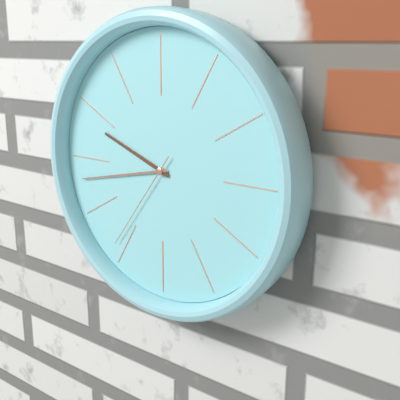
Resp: {"hour": 9, "minute": 43, "second": 36}
